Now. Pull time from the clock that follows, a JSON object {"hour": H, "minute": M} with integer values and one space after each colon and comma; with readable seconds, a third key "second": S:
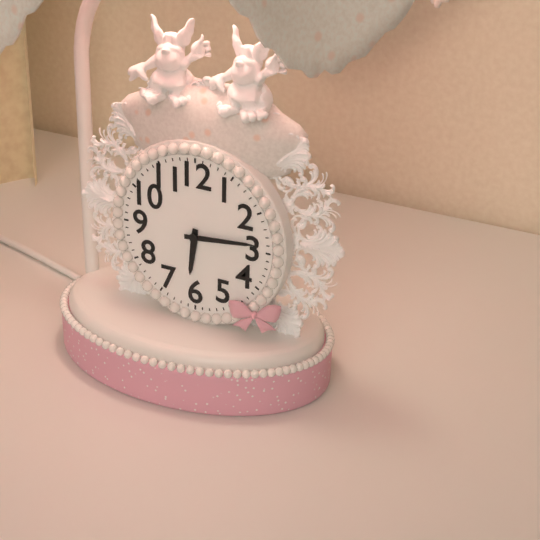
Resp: {"hour": 6, "minute": 14}
